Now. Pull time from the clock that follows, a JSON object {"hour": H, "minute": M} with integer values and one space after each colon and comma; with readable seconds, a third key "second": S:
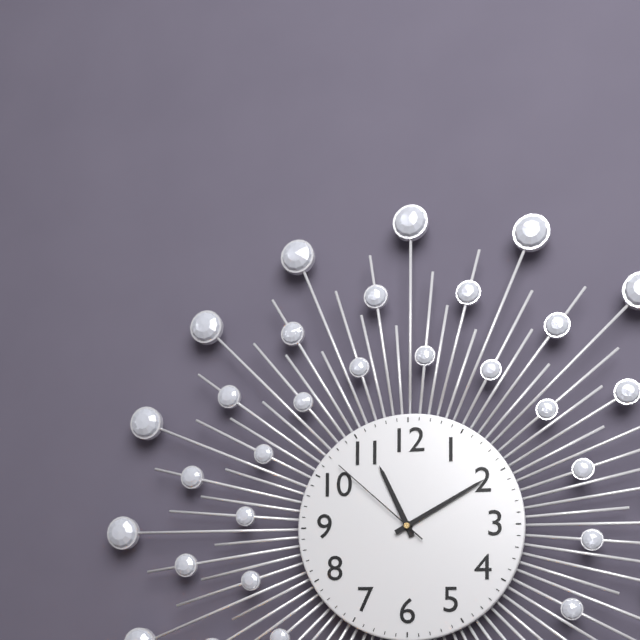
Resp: {"hour": 11, "minute": 10, "second": 52}
